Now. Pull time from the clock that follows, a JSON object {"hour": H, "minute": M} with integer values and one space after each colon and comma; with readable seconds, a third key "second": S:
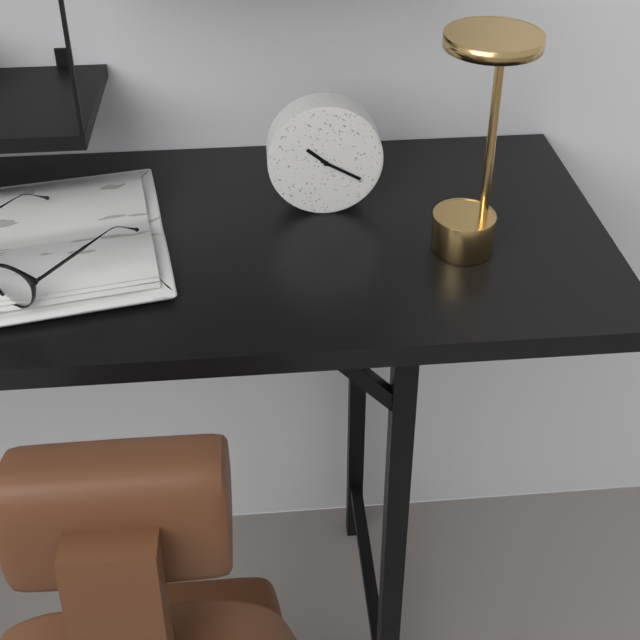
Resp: {"hour": 10, "minute": 20}
